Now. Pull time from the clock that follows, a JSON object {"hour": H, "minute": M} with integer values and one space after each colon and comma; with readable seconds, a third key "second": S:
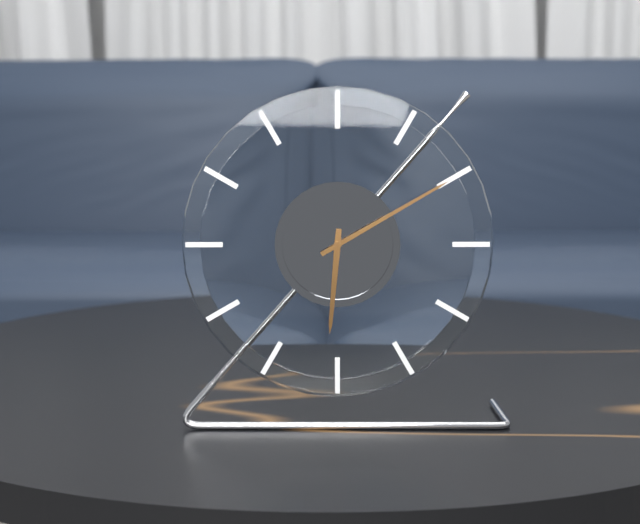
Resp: {"hour": 6, "minute": 10}
